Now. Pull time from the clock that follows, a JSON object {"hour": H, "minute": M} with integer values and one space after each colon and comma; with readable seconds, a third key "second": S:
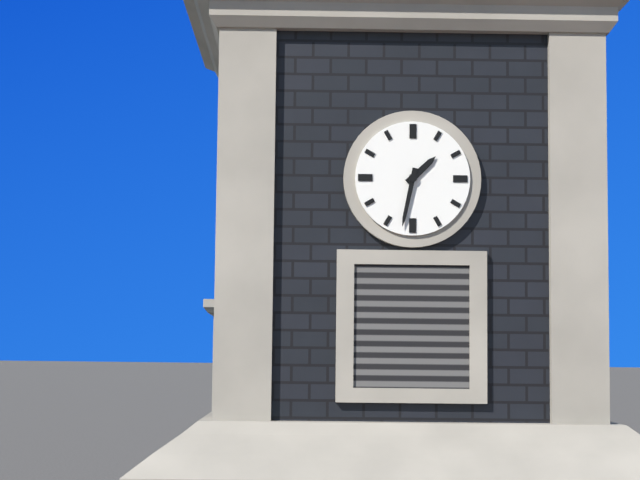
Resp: {"hour": 1, "minute": 32}
